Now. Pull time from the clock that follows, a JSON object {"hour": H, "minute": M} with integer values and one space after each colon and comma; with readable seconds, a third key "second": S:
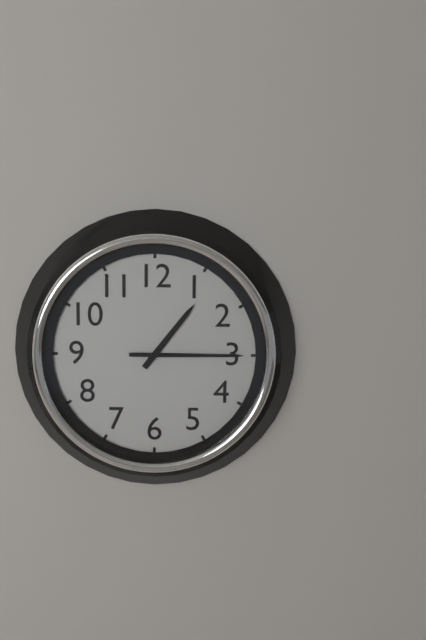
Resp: {"hour": 1, "minute": 15}
